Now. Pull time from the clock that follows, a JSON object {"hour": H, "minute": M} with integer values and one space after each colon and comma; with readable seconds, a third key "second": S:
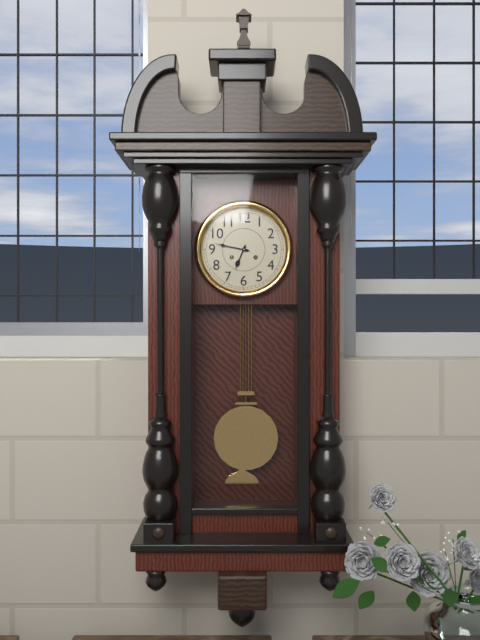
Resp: {"hour": 6, "minute": 47}
